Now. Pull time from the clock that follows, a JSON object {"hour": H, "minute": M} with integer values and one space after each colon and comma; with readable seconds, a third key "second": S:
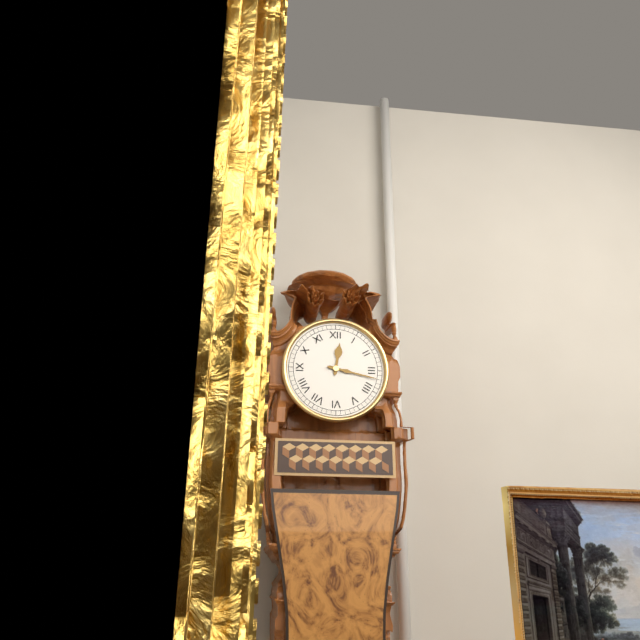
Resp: {"hour": 12, "minute": 17}
